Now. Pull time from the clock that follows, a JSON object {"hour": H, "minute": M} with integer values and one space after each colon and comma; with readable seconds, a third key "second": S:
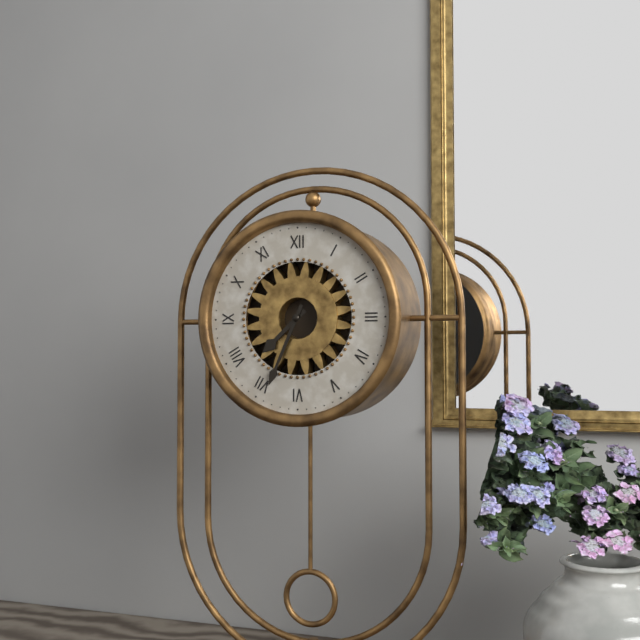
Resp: {"hour": 7, "minute": 34}
